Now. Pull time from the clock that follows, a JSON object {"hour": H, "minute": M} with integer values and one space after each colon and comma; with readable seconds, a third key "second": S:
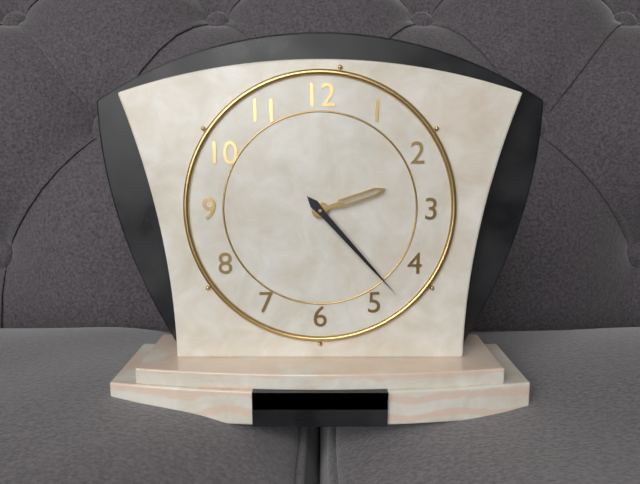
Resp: {"hour": 2, "minute": 23}
